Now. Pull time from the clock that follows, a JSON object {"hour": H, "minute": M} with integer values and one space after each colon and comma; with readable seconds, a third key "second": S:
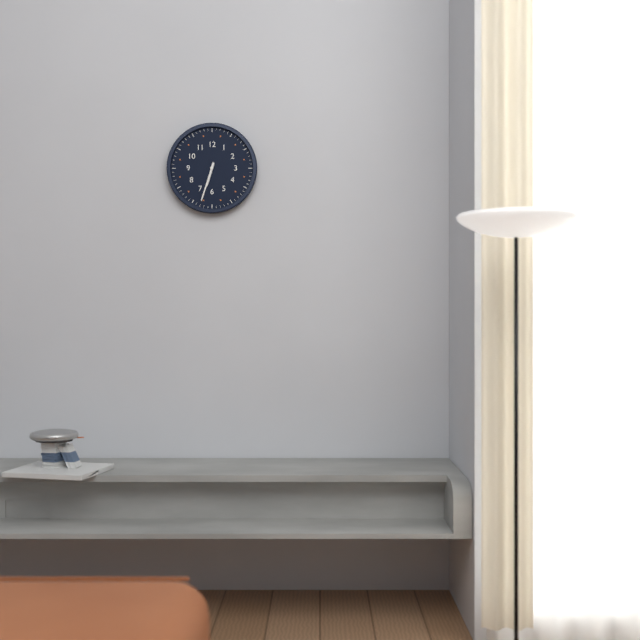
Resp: {"hour": 6, "minute": 33}
